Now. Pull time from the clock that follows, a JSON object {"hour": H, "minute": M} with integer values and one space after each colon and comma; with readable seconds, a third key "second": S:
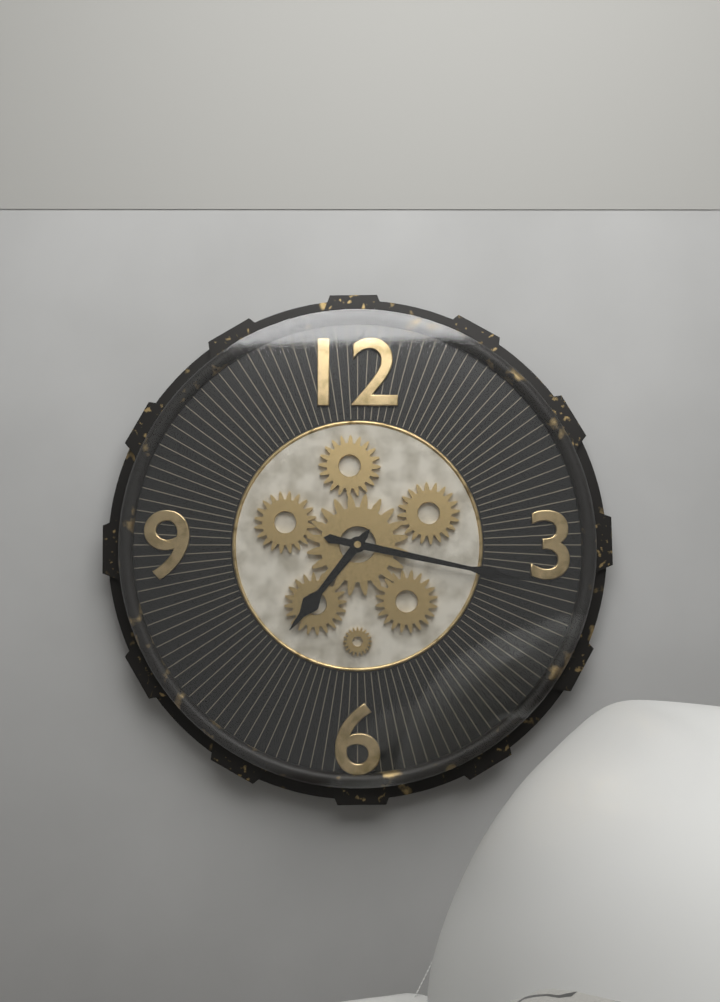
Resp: {"hour": 7, "minute": 17}
